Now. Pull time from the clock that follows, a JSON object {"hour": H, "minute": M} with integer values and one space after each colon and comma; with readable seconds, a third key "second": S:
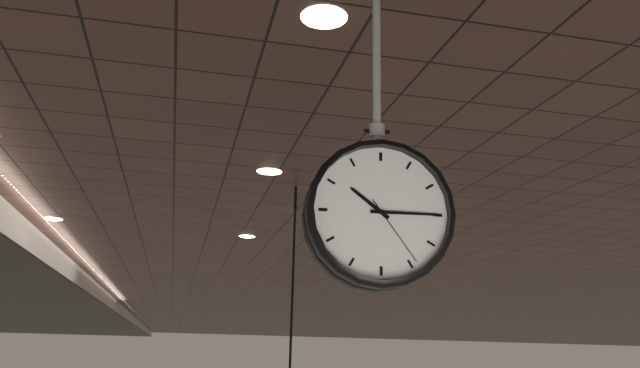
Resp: {"hour": 10, "minute": 15, "second": 24}
